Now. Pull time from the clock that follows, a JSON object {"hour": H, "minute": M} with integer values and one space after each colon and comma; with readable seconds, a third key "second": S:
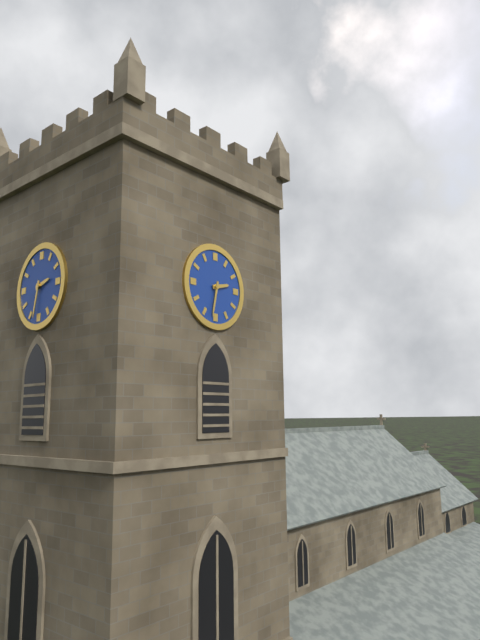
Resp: {"hour": 2, "minute": 32}
